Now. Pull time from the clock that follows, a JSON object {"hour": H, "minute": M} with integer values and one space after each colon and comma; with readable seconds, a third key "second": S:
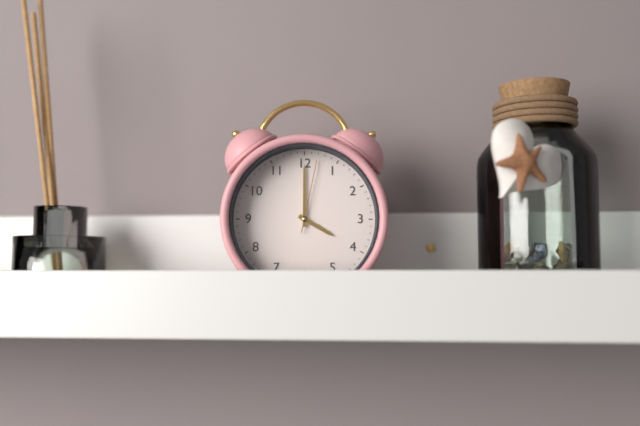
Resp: {"hour": 4, "minute": 0, "second": 2}
